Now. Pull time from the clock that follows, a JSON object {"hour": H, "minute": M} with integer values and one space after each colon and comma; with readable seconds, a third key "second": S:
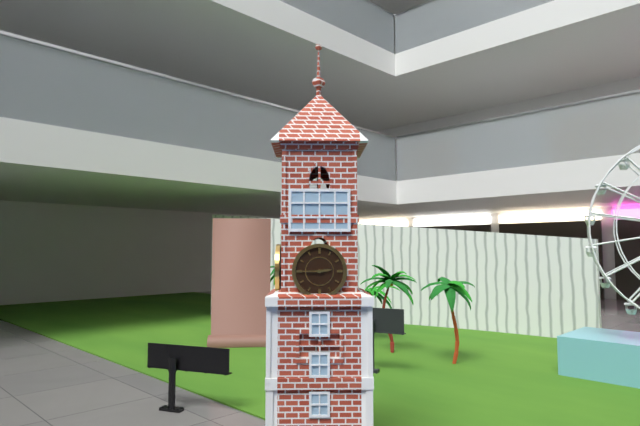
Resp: {"hour": 2, "minute": 45}
